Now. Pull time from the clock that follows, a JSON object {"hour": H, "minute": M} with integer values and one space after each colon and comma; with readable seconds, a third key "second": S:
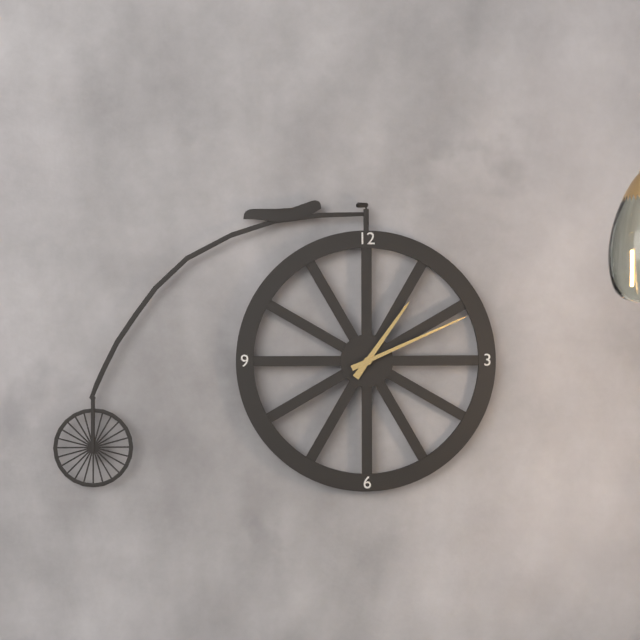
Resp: {"hour": 1, "minute": 11}
